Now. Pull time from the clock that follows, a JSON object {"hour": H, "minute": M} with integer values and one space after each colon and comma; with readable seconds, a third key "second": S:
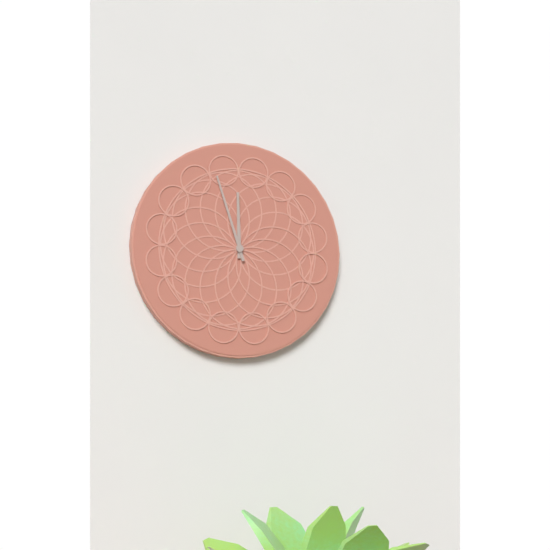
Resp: {"hour": 11, "minute": 57}
